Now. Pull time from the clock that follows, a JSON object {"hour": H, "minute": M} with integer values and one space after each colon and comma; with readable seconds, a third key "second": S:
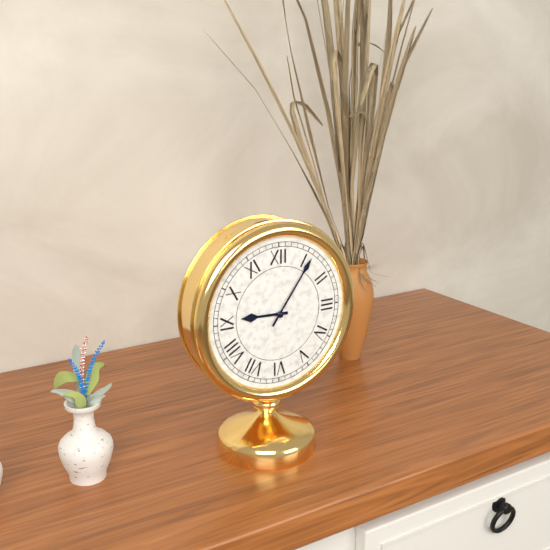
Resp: {"hour": 9, "minute": 6}
